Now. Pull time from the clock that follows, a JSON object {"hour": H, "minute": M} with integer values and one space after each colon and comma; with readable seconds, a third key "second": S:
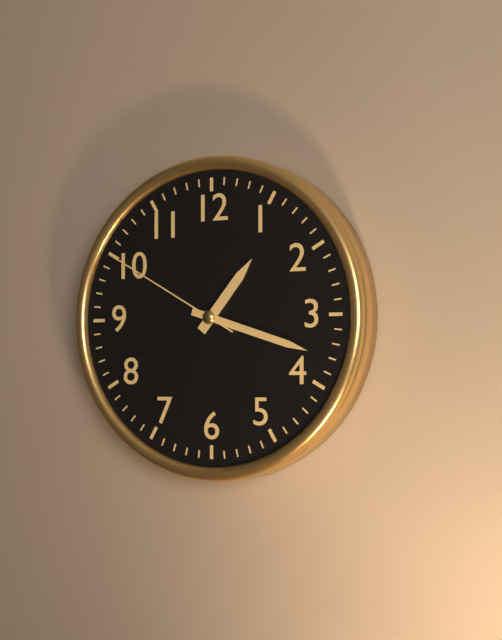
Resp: {"hour": 1, "minute": 18, "second": 50}
